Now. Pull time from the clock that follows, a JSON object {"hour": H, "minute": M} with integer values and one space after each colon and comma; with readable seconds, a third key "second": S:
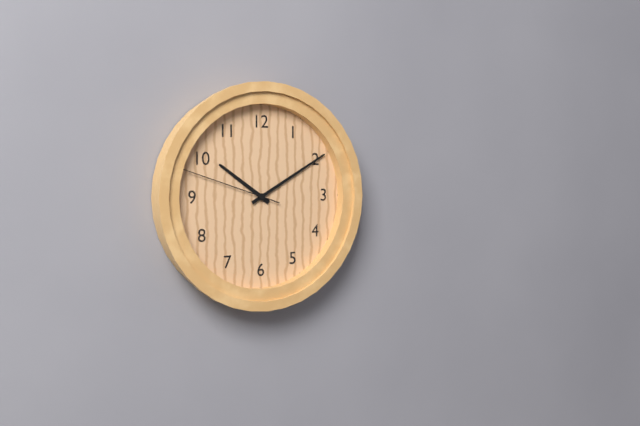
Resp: {"hour": 10, "minute": 10, "second": 48}
